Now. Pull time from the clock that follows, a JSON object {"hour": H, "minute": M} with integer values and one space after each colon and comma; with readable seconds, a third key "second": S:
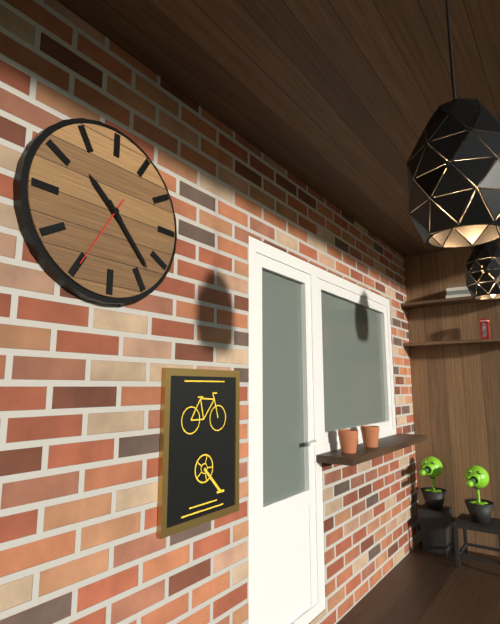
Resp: {"hour": 10, "minute": 23, "second": 35}
